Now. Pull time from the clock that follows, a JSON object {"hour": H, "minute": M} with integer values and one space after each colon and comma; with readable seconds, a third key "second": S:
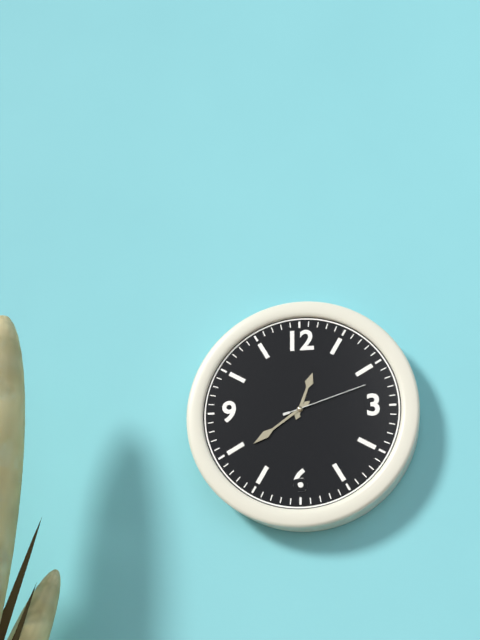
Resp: {"hour": 12, "minute": 39, "second": 12}
